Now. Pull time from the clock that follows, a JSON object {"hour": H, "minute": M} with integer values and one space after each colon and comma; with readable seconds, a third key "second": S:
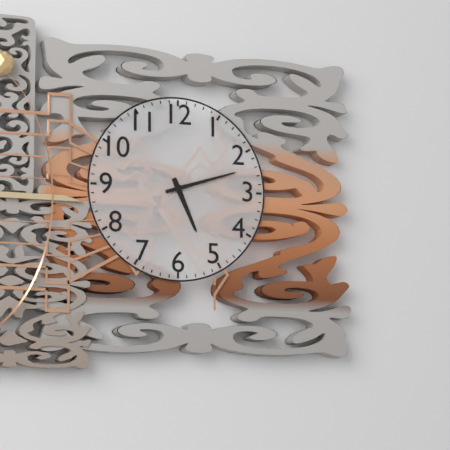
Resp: {"hour": 5, "minute": 12}
